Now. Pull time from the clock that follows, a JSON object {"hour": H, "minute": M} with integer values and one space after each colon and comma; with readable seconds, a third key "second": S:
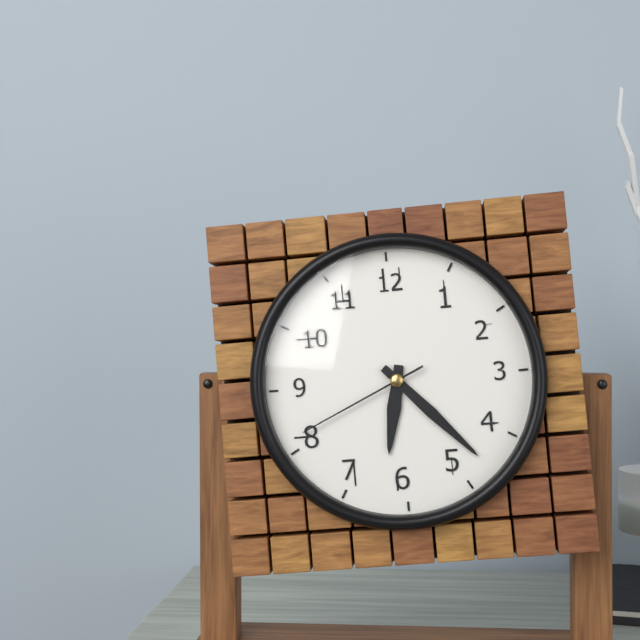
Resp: {"hour": 6, "minute": 23, "second": 41}
